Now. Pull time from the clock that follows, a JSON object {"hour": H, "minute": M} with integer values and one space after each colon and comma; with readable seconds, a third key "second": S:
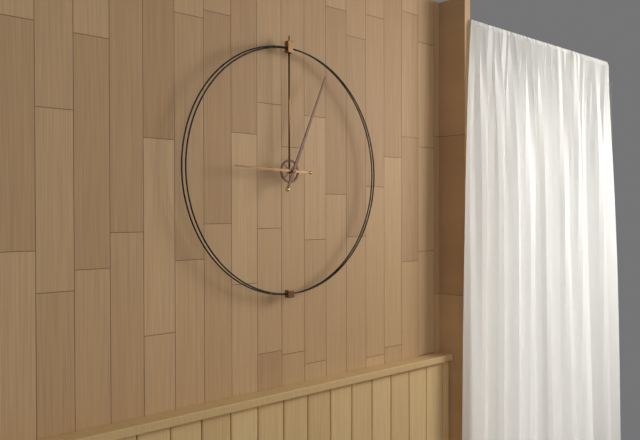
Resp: {"hour": 9, "minute": 4}
